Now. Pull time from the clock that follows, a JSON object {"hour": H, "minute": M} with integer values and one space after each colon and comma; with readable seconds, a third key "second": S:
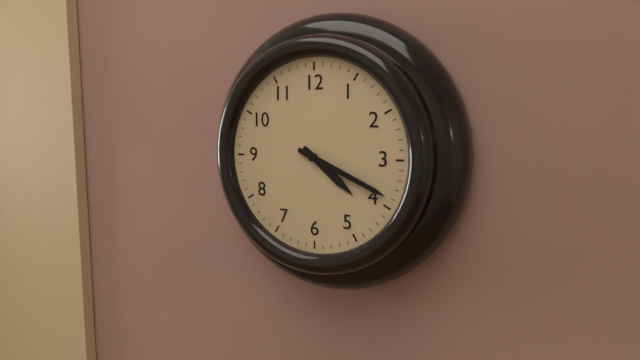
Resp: {"hour": 4, "minute": 19}
